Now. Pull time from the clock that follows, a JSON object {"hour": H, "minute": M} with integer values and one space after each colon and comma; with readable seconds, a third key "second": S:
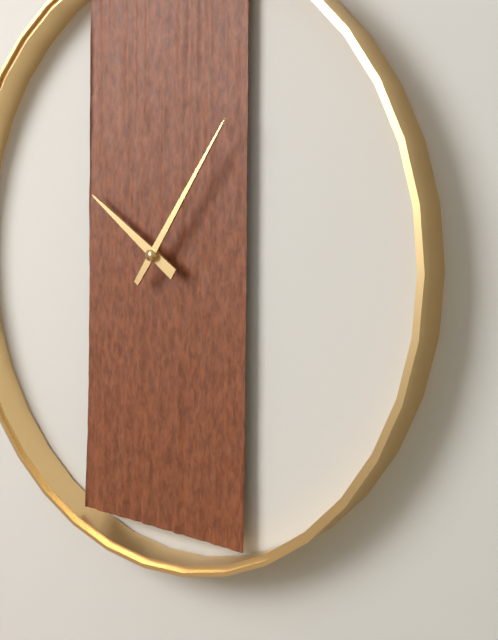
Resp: {"hour": 10, "minute": 6}
